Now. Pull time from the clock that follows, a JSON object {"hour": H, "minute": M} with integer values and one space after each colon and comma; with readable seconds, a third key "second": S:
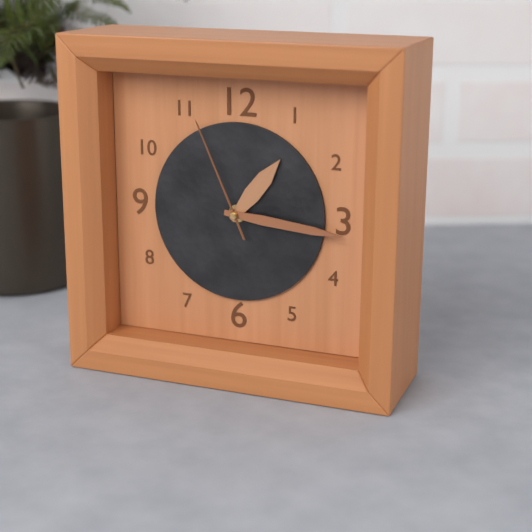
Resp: {"hour": 1, "minute": 16, "second": 56}
